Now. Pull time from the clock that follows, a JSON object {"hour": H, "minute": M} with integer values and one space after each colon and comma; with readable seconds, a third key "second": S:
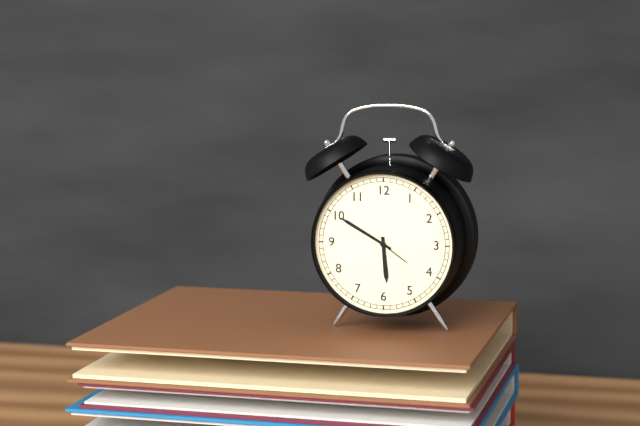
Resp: {"hour": 5, "minute": 50}
